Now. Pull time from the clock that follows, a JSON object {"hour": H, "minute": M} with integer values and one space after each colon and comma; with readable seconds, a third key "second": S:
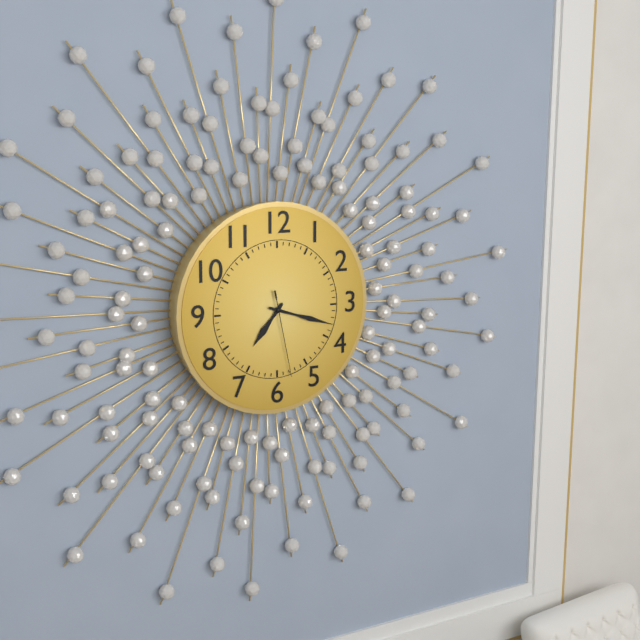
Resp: {"hour": 7, "minute": 18, "second": 28}
